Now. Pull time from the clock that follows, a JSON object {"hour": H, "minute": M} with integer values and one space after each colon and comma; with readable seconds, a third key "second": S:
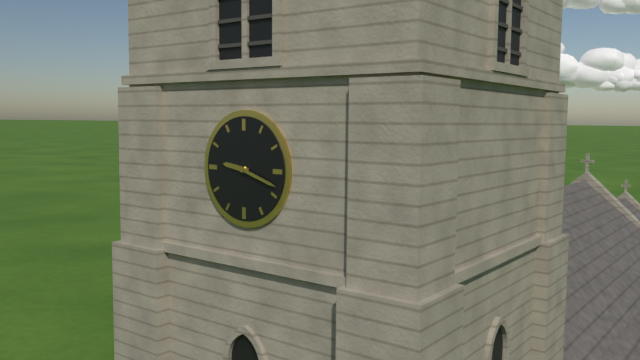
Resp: {"hour": 9, "minute": 18}
